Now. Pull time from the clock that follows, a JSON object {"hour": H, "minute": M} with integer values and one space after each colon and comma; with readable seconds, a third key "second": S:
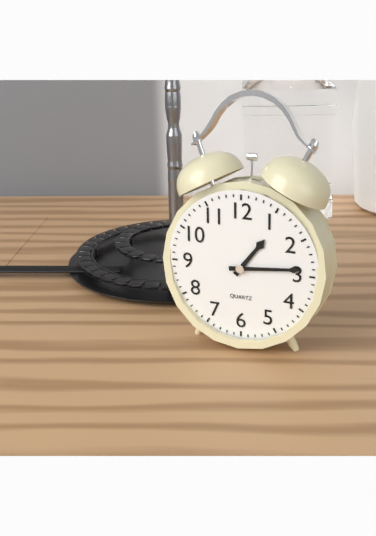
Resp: {"hour": 1, "minute": 14}
